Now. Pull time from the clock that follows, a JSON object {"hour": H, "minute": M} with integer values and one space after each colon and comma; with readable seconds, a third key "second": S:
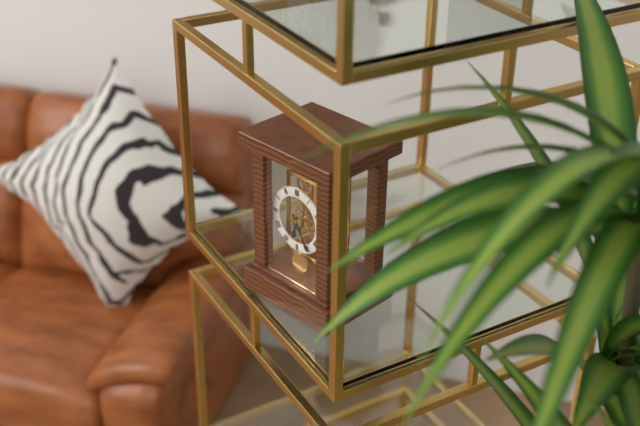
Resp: {"hour": 6, "minute": 25}
